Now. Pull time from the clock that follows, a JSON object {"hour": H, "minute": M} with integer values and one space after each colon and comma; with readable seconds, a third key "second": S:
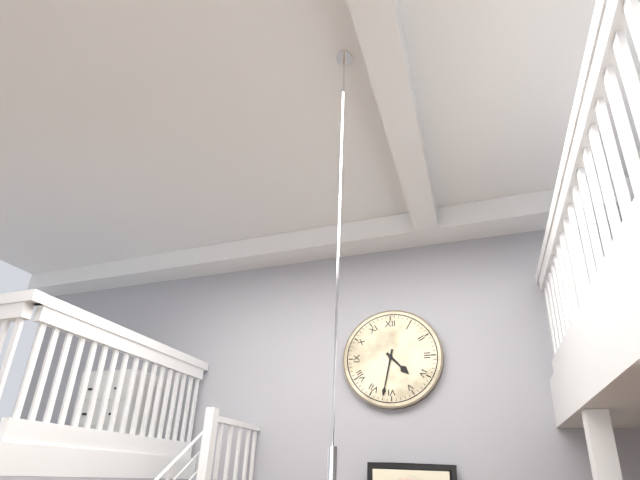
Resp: {"hour": 4, "minute": 32}
